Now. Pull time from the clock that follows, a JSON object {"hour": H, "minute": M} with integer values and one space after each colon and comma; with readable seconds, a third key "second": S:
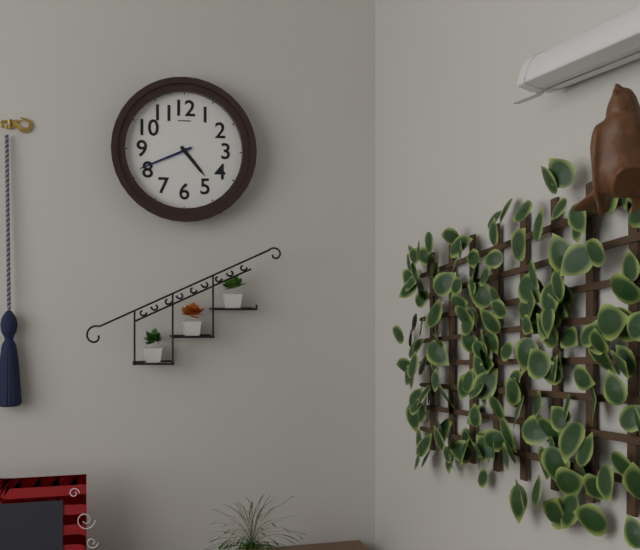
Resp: {"hour": 4, "minute": 41}
